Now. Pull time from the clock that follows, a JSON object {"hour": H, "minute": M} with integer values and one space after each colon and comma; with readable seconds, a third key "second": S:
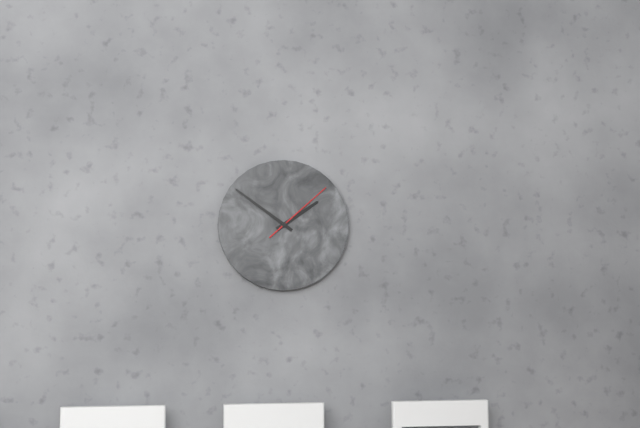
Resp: {"hour": 1, "minute": 51, "second": 8}
